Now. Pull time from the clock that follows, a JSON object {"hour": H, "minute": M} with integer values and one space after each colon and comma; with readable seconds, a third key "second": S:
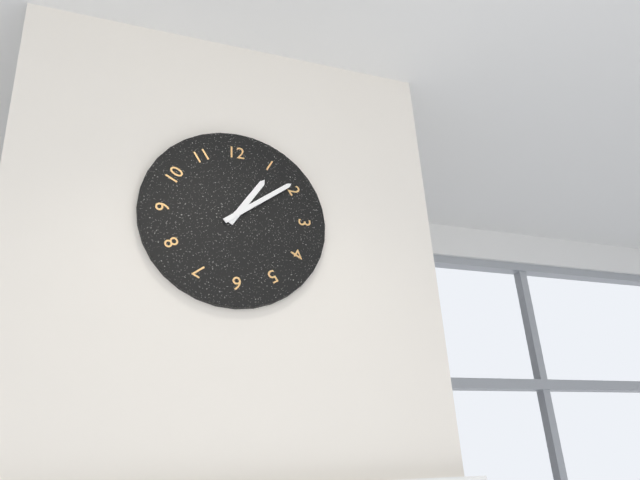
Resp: {"hour": 1, "minute": 9}
